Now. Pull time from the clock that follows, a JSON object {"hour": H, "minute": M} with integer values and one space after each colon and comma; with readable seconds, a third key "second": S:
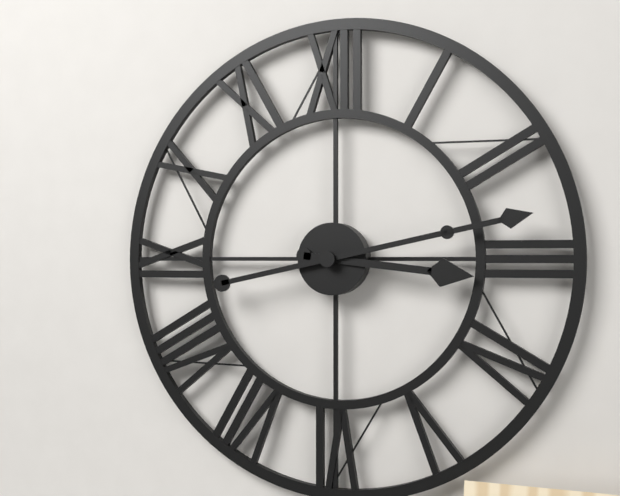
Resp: {"hour": 3, "minute": 13}
